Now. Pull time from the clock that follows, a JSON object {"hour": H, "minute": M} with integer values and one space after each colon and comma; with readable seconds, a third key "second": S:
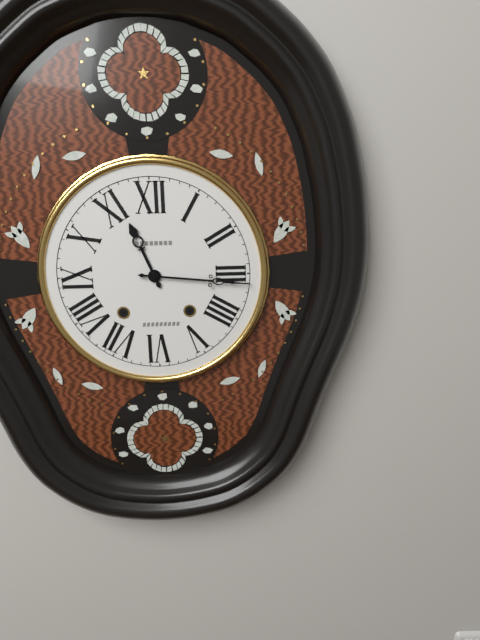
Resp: {"hour": 11, "minute": 16}
